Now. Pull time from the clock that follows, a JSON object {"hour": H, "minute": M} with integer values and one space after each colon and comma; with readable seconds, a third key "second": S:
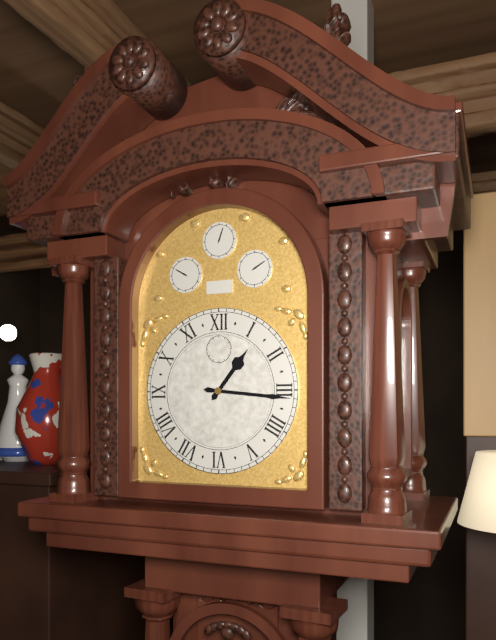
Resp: {"hour": 1, "minute": 16}
